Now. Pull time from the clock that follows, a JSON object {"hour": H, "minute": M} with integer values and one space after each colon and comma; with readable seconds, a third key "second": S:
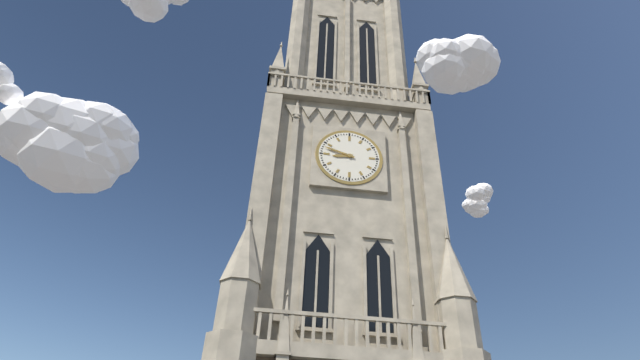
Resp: {"hour": 8, "minute": 48}
